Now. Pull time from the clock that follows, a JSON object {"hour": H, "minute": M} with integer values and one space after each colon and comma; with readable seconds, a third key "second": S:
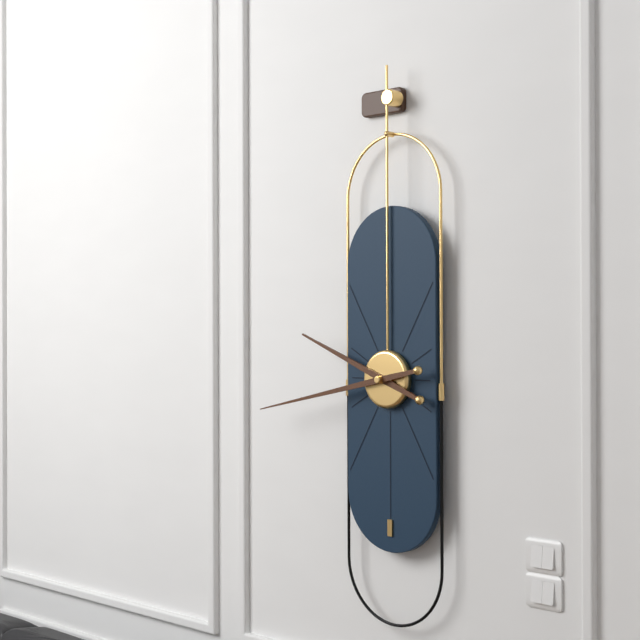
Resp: {"hour": 9, "minute": 43}
